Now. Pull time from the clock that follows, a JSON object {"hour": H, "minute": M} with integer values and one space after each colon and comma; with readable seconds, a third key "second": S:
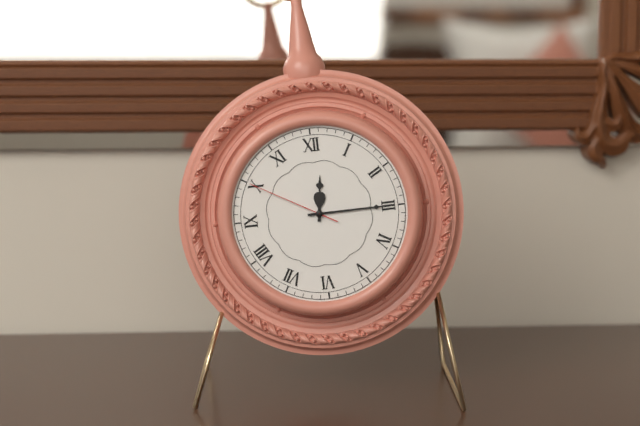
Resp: {"hour": 12, "minute": 15, "second": 50}
